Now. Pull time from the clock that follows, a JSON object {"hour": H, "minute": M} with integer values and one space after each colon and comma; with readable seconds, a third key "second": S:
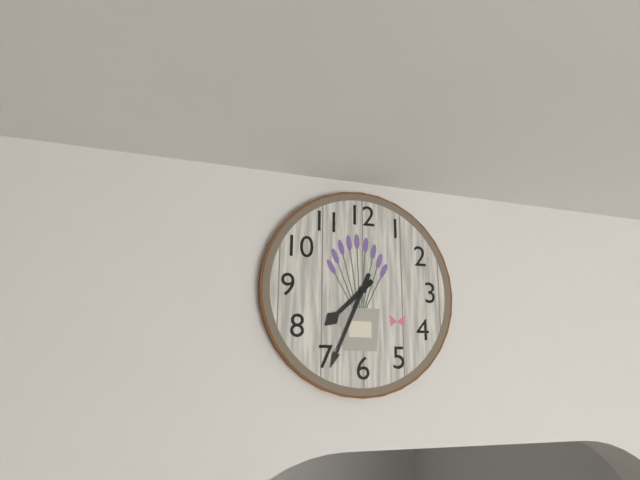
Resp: {"hour": 7, "minute": 34}
